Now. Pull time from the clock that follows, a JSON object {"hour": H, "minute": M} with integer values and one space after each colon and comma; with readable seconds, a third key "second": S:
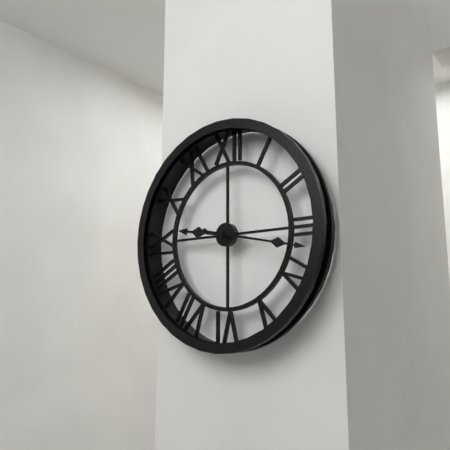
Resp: {"hour": 9, "minute": 17}
